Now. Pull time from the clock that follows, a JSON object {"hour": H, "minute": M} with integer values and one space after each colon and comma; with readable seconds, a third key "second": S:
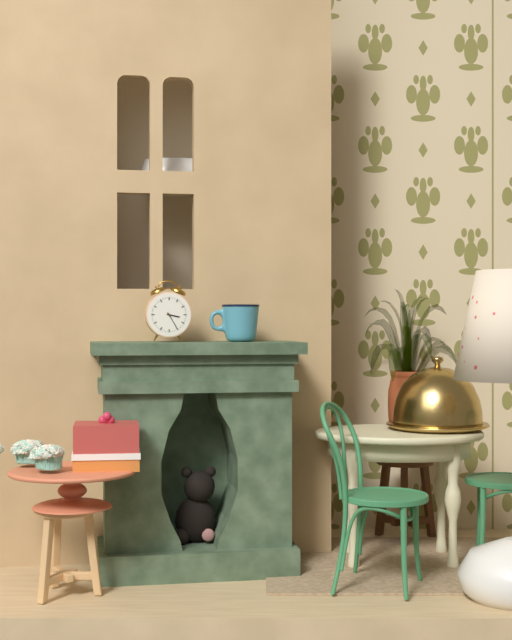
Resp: {"hour": 3, "minute": 25}
